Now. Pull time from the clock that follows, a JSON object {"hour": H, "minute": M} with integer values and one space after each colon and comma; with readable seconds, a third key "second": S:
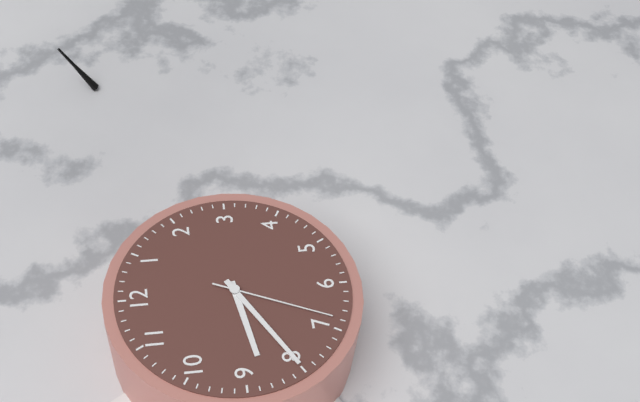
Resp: {"hour": 8, "minute": 40, "second": 34}
